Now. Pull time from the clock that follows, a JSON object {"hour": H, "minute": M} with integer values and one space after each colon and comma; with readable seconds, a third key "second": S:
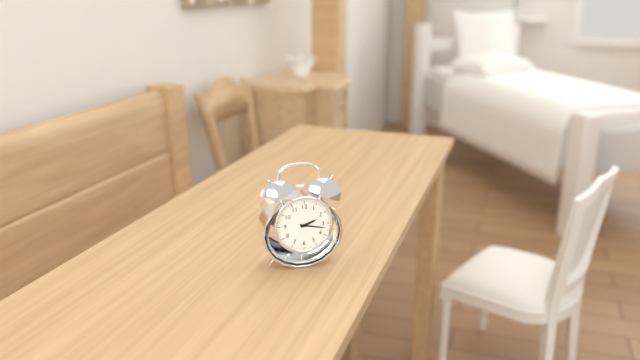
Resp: {"hour": 2, "minute": 17}
